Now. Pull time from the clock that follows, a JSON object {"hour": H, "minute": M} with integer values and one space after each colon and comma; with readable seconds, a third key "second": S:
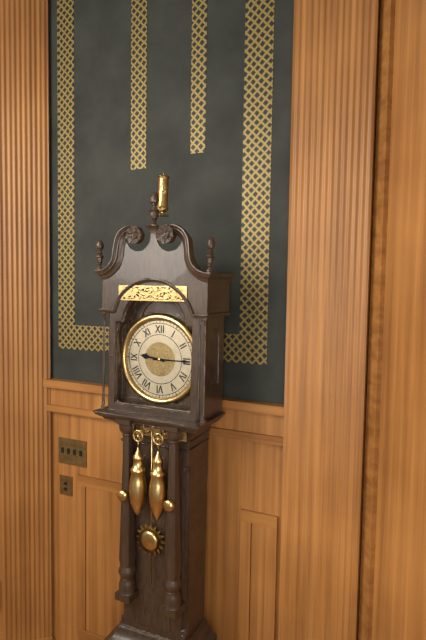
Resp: {"hour": 9, "minute": 15}
